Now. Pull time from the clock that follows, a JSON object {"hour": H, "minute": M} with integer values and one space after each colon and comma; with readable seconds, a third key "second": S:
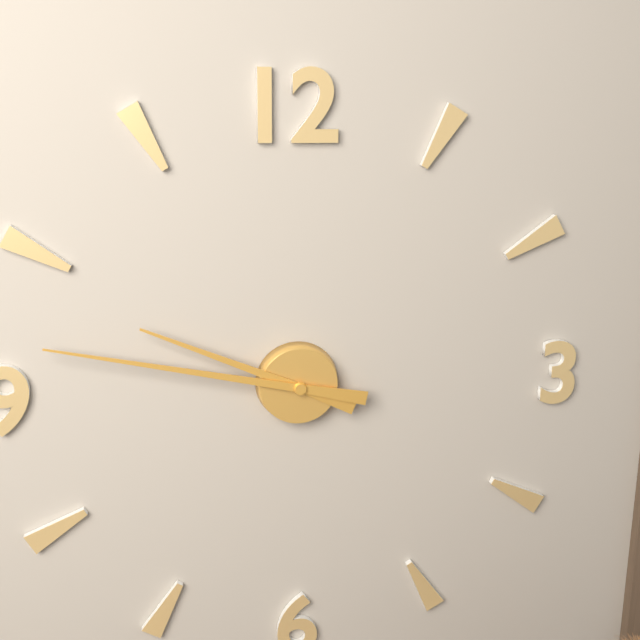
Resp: {"hour": 9, "minute": 47}
